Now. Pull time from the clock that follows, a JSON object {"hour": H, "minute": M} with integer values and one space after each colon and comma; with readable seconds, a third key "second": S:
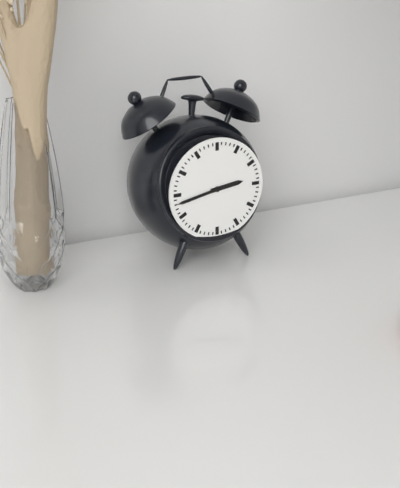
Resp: {"hour": 2, "minute": 43}
